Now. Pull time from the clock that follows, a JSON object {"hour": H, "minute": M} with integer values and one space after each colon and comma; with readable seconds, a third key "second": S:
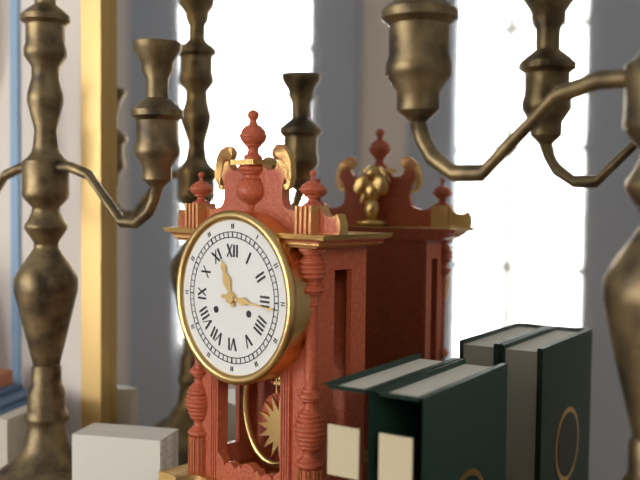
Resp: {"hour": 11, "minute": 16}
